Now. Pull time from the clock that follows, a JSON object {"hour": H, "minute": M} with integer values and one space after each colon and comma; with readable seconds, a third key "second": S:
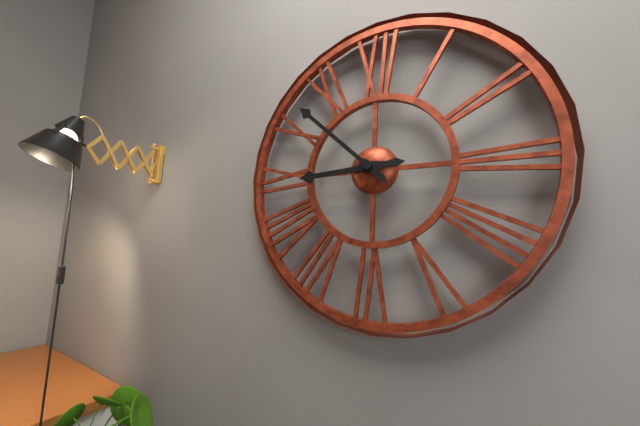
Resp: {"hour": 8, "minute": 52}
